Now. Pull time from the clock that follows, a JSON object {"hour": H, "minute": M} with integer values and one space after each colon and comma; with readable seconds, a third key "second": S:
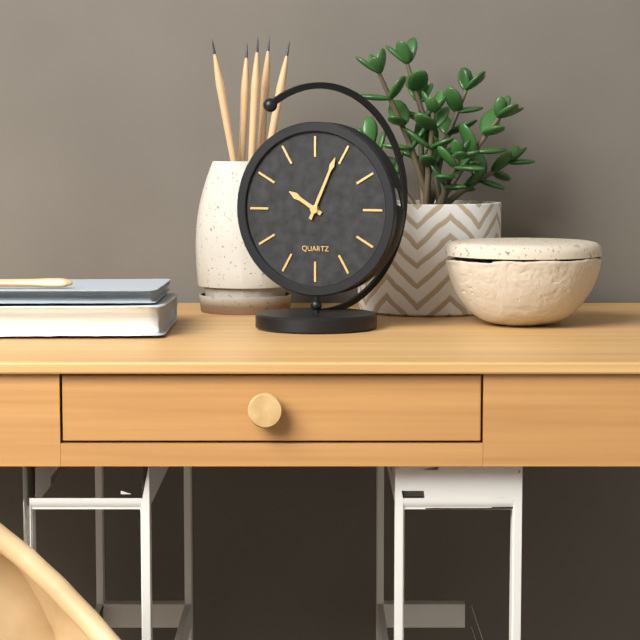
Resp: {"hour": 10, "minute": 4}
